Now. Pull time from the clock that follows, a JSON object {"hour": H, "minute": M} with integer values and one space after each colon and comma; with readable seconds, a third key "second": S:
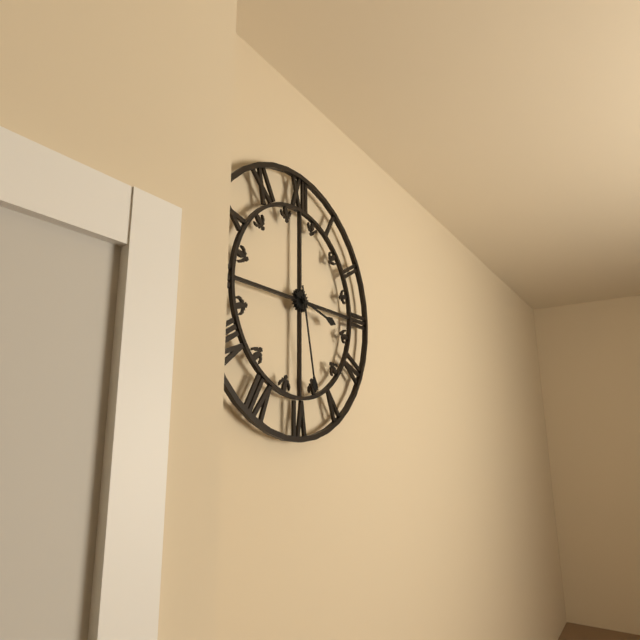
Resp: {"hour": 3, "minute": 28}
